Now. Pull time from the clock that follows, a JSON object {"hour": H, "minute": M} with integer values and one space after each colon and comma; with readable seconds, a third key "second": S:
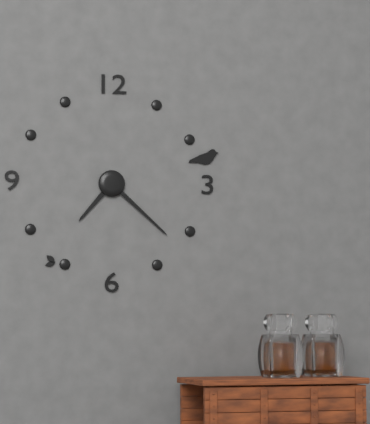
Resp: {"hour": 7, "minute": 22}
